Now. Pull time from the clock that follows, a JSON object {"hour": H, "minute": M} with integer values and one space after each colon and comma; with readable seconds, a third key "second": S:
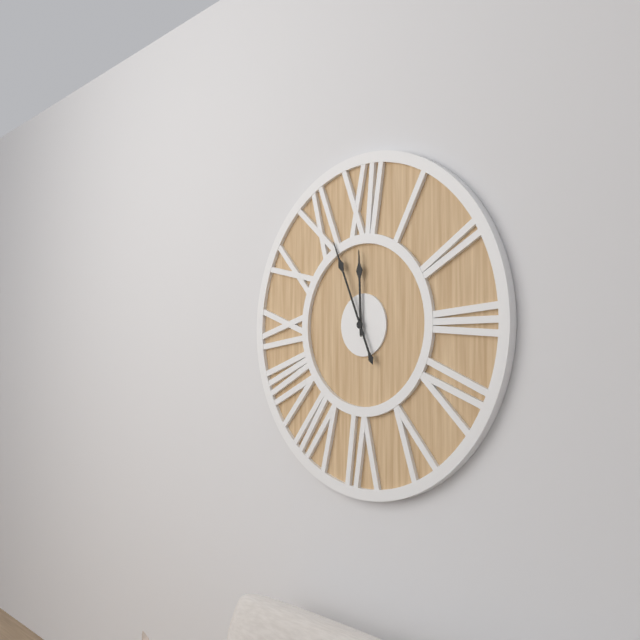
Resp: {"hour": 11, "minute": 56}
